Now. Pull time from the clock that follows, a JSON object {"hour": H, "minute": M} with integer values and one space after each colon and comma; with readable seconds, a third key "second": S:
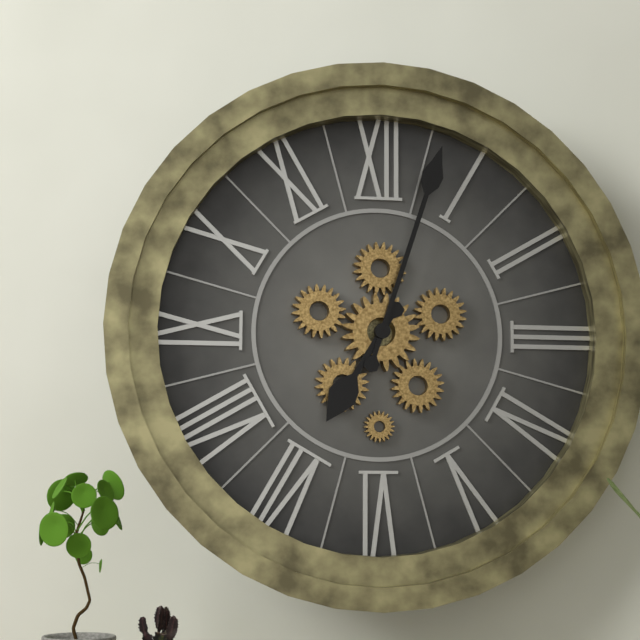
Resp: {"hour": 7, "minute": 3}
